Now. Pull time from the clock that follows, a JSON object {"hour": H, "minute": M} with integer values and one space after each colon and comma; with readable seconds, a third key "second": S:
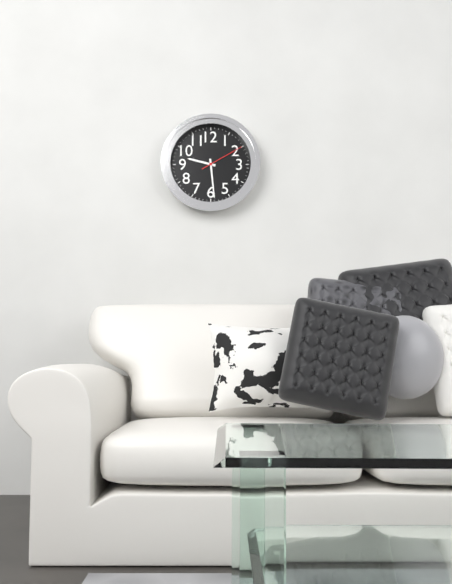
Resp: {"hour": 9, "minute": 29}
